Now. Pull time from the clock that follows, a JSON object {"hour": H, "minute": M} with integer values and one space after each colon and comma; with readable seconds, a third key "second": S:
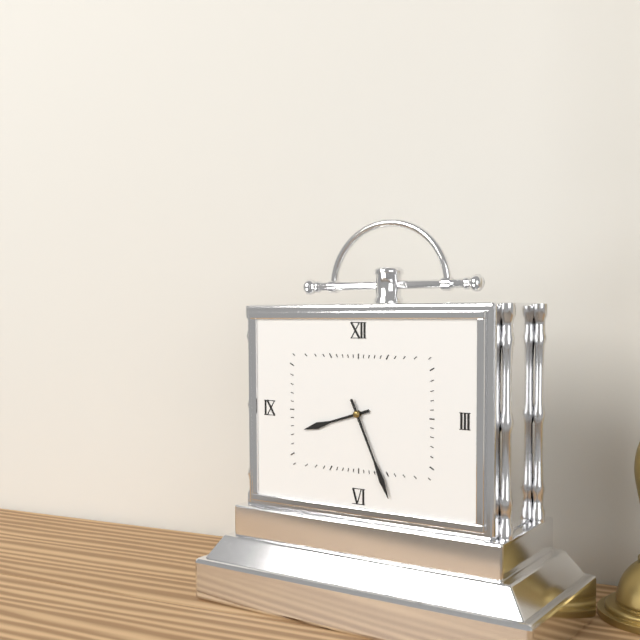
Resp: {"hour": 8, "minute": 26}
